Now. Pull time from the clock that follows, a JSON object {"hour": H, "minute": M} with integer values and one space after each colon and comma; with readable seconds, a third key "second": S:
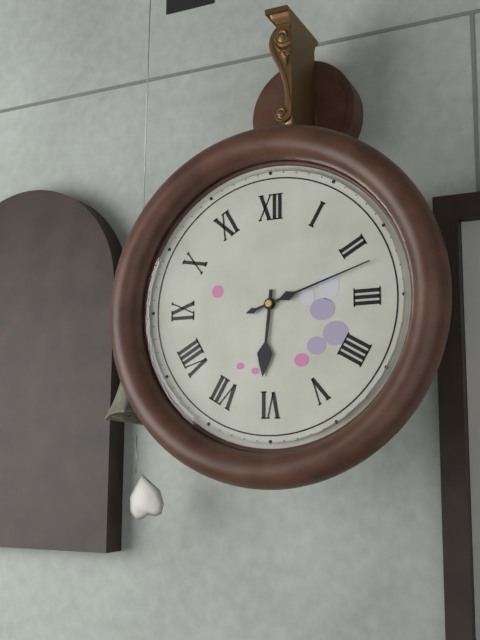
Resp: {"hour": 6, "minute": 12}
